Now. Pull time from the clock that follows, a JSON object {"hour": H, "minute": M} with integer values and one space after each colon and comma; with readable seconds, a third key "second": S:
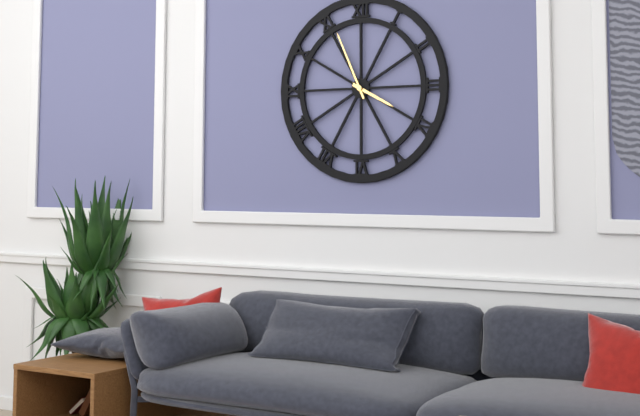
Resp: {"hour": 3, "minute": 56}
